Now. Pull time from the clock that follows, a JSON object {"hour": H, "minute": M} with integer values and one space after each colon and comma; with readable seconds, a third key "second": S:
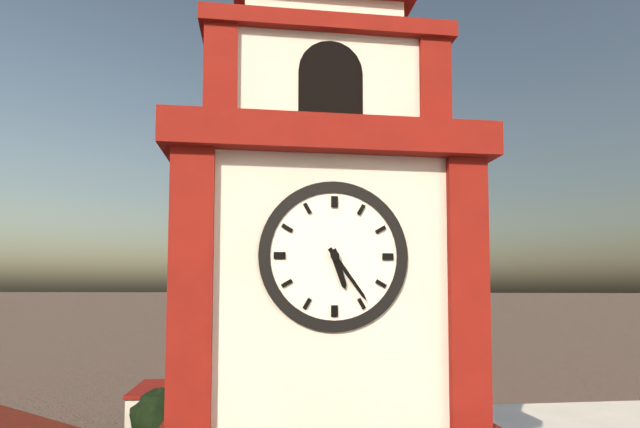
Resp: {"hour": 5, "minute": 24}
